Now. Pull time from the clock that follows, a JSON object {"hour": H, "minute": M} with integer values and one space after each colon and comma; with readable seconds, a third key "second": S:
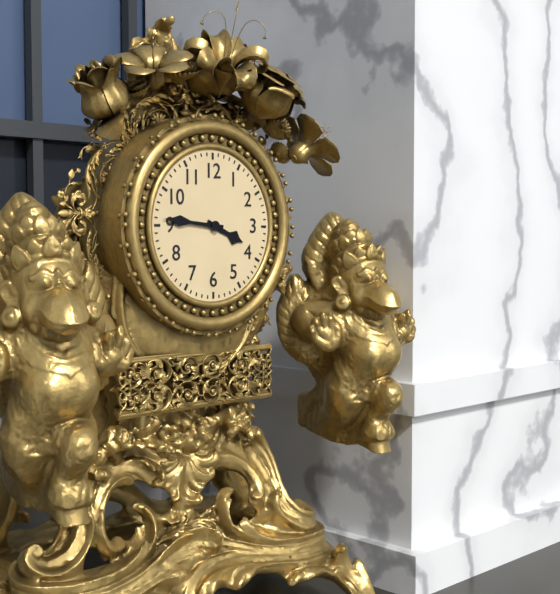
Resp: {"hour": 3, "minute": 46}
